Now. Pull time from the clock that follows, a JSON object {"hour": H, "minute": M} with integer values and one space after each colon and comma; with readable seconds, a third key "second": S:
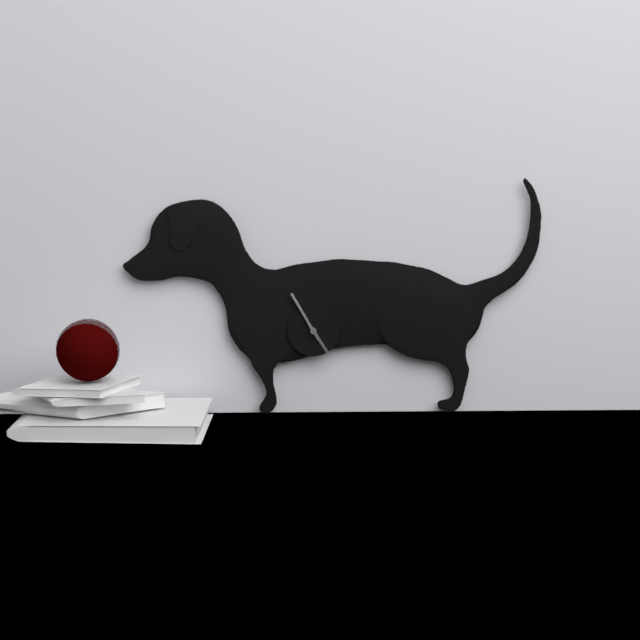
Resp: {"hour": 4, "minute": 55}
